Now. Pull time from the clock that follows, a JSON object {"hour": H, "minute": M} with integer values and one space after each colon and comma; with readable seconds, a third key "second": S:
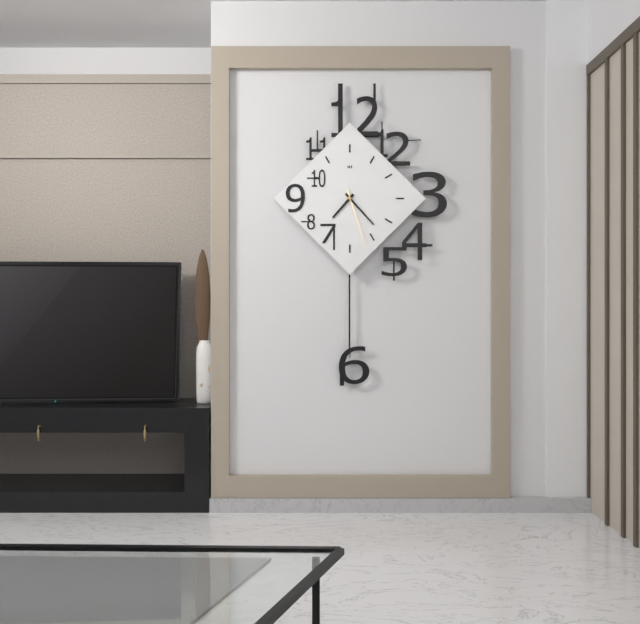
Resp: {"hour": 7, "minute": 23, "second": 27}
